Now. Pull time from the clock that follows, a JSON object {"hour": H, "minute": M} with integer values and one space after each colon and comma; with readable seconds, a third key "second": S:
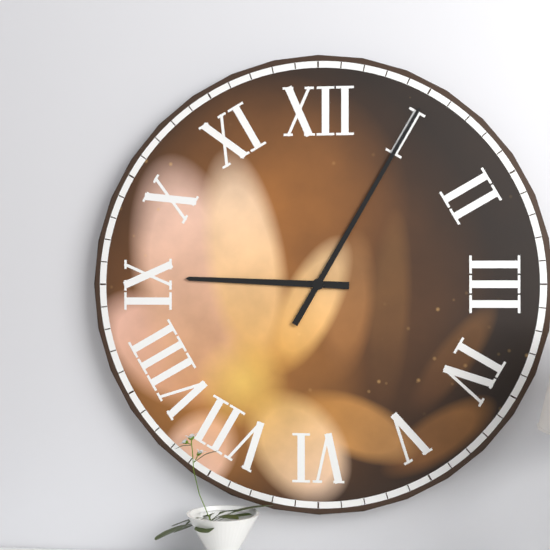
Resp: {"hour": 9, "minute": 5}
